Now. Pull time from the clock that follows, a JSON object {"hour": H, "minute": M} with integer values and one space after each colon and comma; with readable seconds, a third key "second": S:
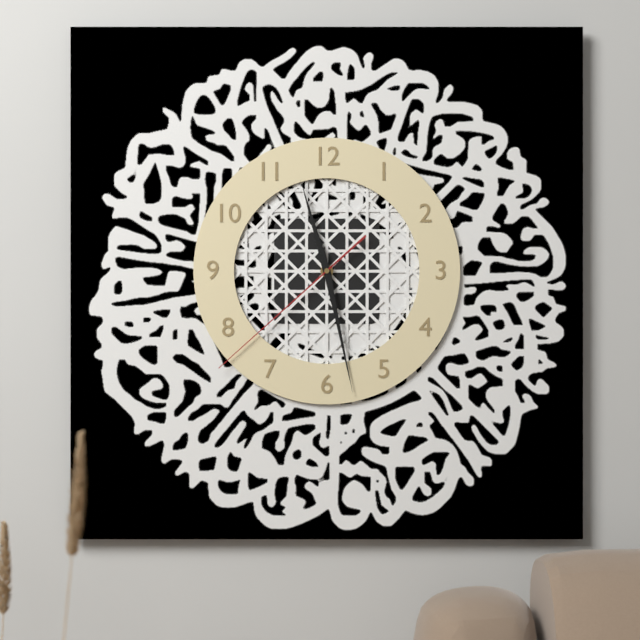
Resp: {"hour": 11, "minute": 28, "second": 38}
